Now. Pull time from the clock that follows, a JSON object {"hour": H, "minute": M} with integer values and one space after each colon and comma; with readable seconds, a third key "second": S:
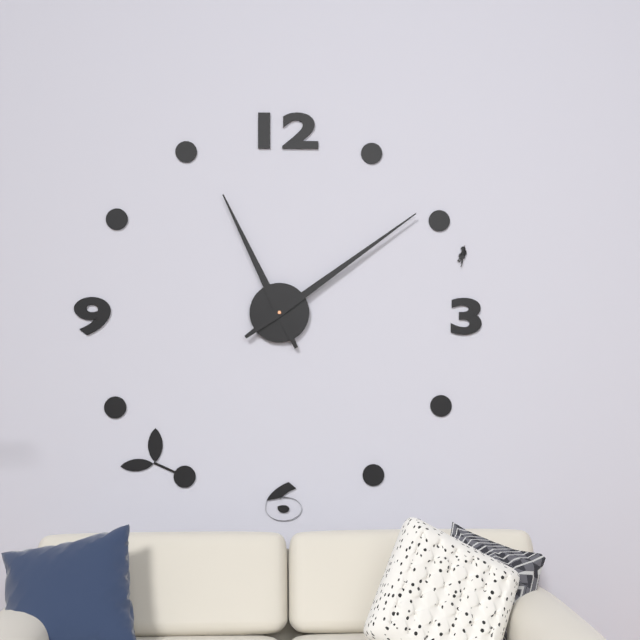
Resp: {"hour": 11, "minute": 9}
